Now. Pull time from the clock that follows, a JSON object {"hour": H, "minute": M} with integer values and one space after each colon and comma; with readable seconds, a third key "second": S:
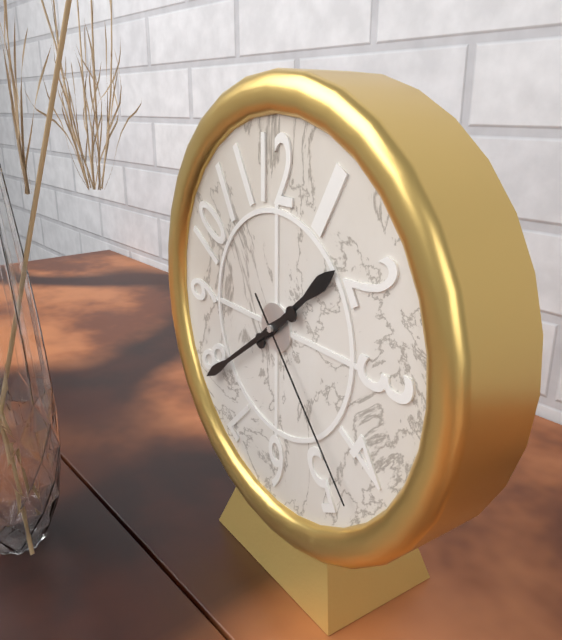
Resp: {"hour": 1, "minute": 39, "second": 23}
